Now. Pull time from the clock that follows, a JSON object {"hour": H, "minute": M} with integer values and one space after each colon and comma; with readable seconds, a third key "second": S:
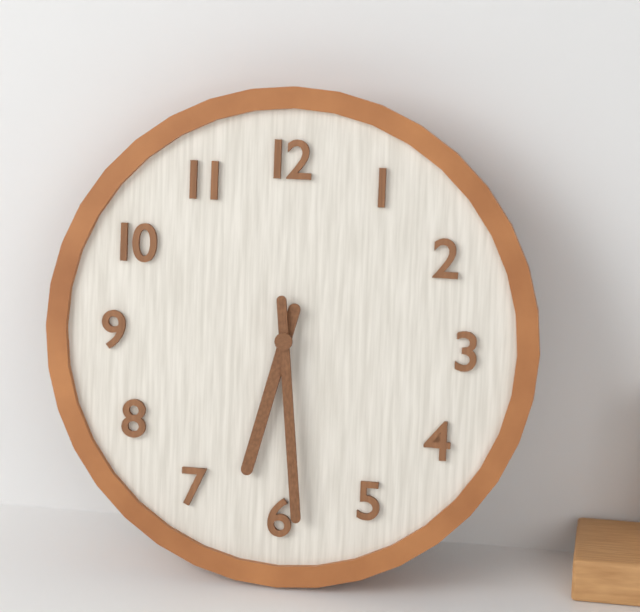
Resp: {"hour": 6, "minute": 29}
